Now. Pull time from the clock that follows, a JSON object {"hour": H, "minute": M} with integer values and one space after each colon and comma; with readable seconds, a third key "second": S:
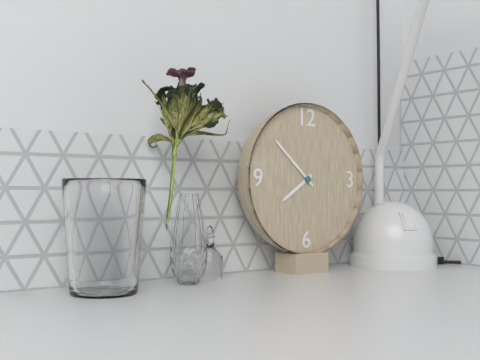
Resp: {"hour": 7, "minute": 52}
